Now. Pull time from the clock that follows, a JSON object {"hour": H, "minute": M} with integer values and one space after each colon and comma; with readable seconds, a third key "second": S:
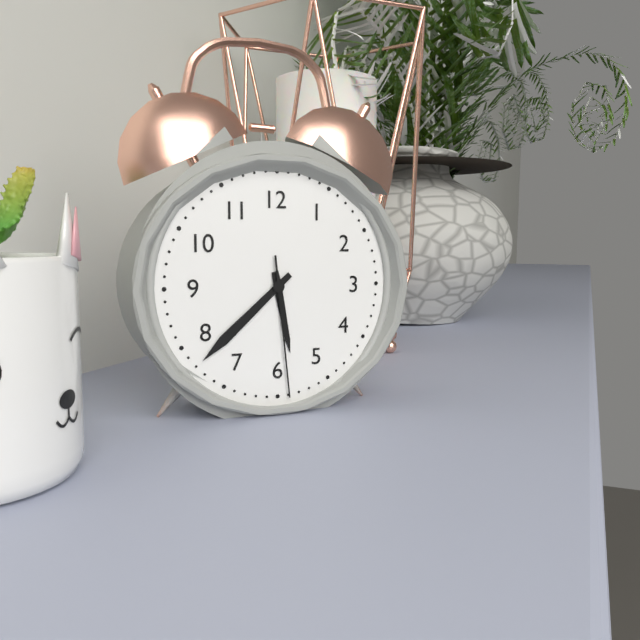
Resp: {"hour": 5, "minute": 38, "second": 29}
